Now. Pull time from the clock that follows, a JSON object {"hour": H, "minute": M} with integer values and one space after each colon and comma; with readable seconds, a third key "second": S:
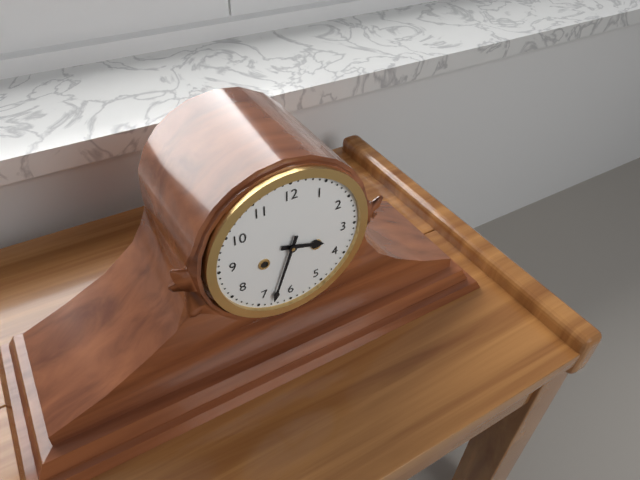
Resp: {"hour": 3, "minute": 33}
